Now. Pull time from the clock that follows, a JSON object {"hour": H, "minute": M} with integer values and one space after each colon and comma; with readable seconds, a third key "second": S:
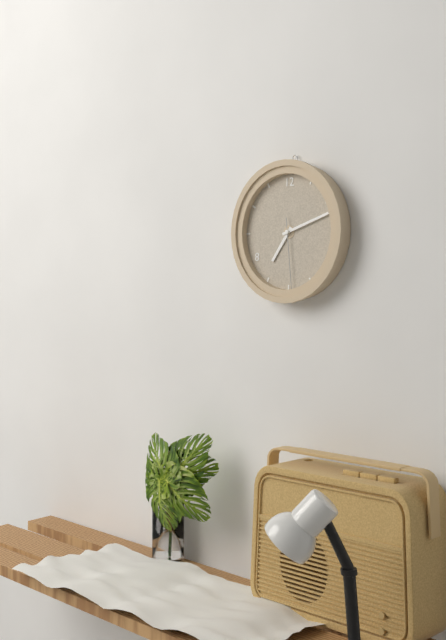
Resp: {"hour": 7, "minute": 12, "second": 29}
